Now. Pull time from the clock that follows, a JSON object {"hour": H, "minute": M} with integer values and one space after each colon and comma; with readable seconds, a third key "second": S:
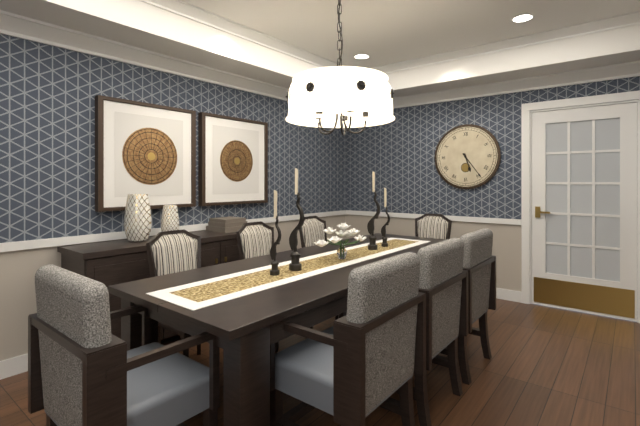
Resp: {"hour": 5, "minute": 24}
